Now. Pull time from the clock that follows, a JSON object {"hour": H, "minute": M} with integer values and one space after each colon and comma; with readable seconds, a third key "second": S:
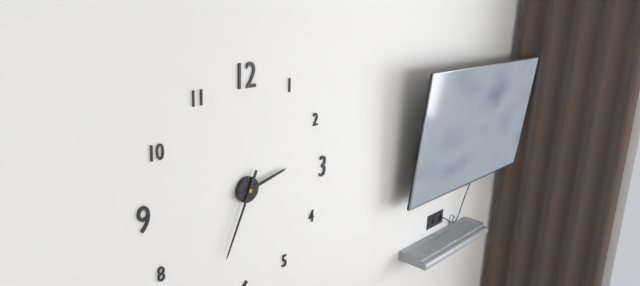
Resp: {"hour": 2, "minute": 34}
